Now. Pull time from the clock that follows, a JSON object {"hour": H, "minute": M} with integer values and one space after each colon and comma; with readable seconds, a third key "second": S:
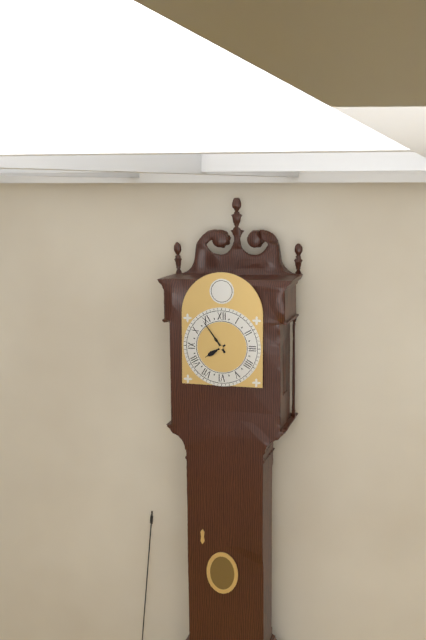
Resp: {"hour": 7, "minute": 54}
